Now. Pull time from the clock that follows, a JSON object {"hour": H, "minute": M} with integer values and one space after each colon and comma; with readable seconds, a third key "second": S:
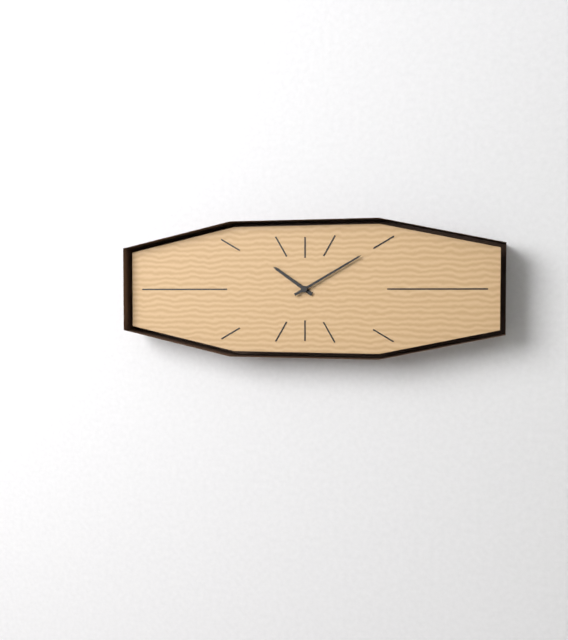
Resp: {"hour": 10, "minute": 10}
